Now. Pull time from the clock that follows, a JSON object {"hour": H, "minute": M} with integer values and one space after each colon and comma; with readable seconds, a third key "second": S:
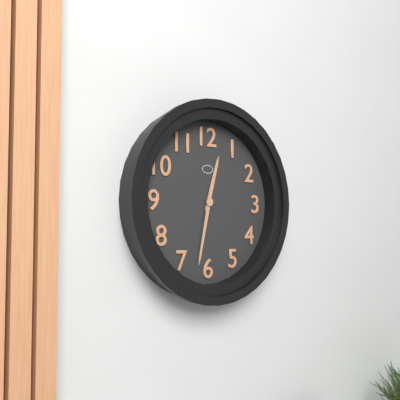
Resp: {"hour": 12, "minute": 32}
